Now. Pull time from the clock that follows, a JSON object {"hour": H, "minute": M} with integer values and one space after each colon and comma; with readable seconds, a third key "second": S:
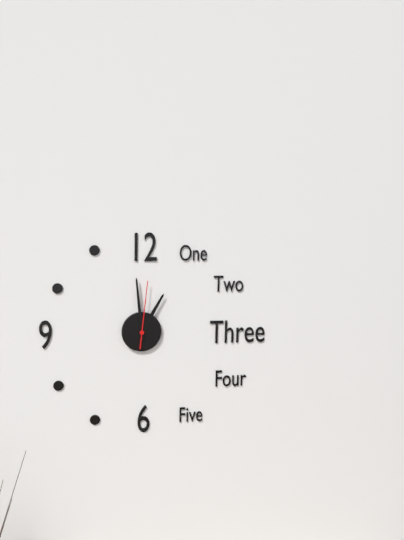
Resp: {"hour": 12, "minute": 59, "second": 1}
